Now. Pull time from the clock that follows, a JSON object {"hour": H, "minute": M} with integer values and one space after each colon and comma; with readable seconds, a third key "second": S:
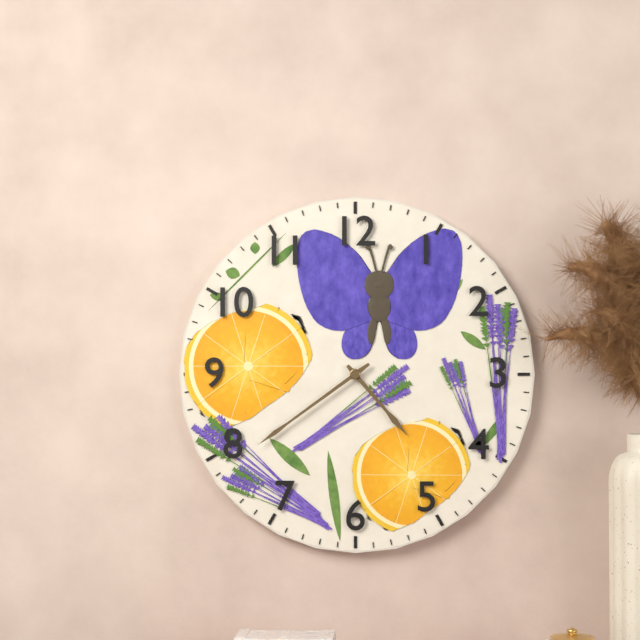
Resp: {"hour": 4, "minute": 39}
